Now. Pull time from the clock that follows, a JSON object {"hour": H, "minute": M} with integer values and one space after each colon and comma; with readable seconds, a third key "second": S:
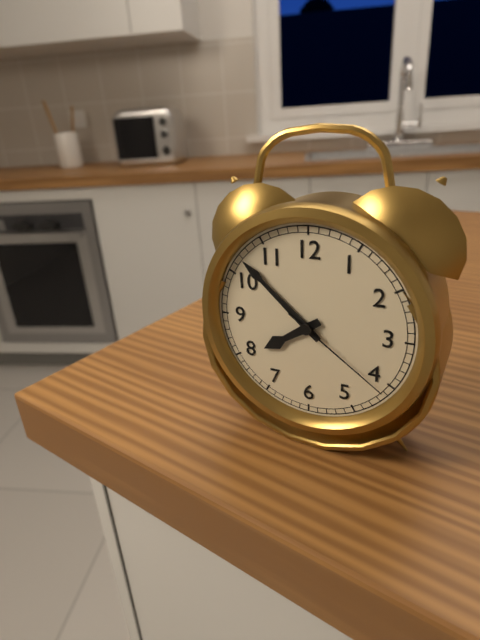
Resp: {"hour": 7, "minute": 52, "second": 21}
